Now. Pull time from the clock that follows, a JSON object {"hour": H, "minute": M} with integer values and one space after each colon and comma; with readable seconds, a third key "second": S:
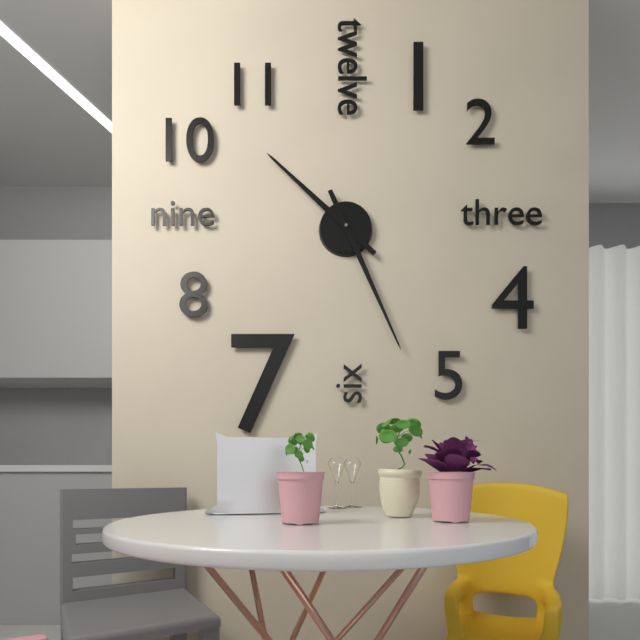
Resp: {"hour": 10, "minute": 26}
